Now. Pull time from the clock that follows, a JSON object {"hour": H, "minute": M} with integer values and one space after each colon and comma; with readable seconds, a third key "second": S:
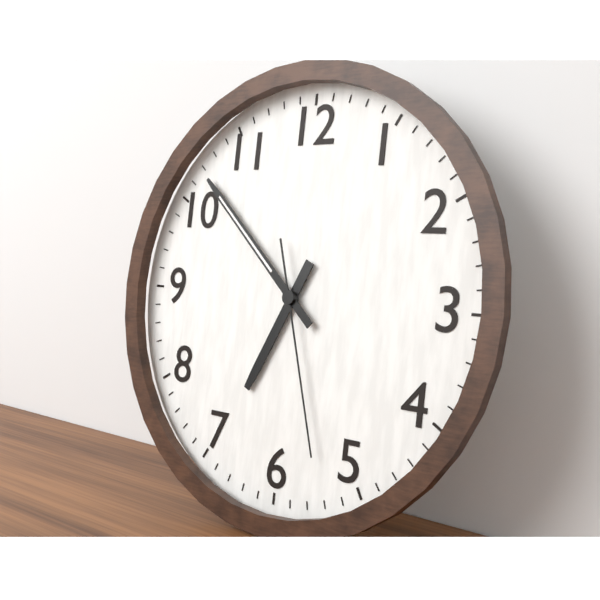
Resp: {"hour": 6, "minute": 52, "second": 27}
